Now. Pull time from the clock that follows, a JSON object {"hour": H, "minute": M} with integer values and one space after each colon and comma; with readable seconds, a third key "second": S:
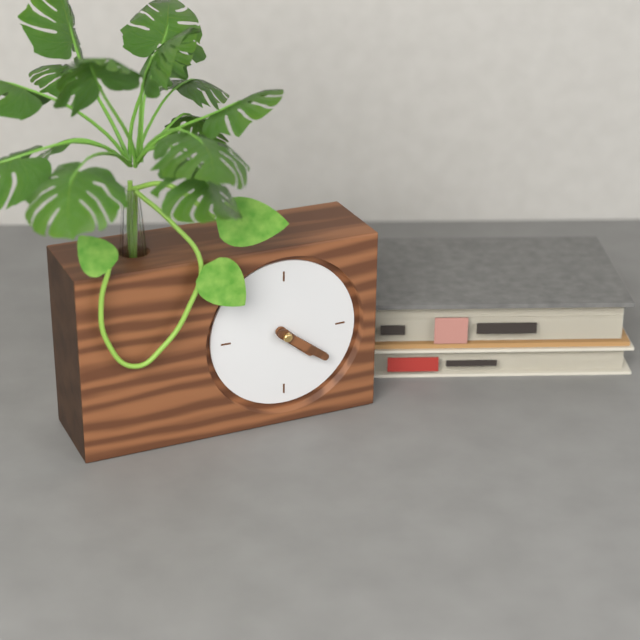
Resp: {"hour": 4, "minute": 21}
